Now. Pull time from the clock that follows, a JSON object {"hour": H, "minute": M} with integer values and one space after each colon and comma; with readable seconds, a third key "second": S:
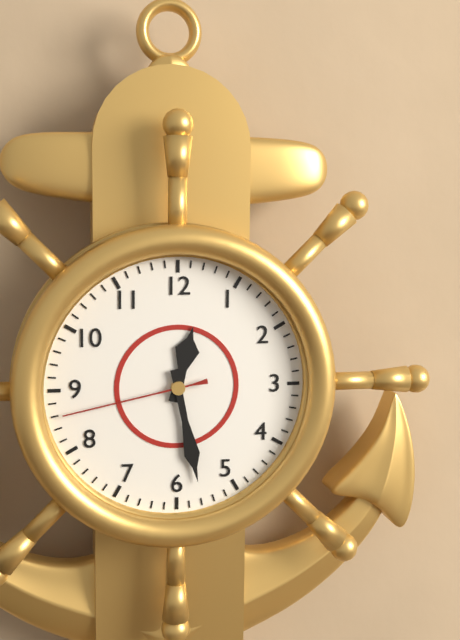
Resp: {"hour": 12, "minute": 28, "second": 43}
